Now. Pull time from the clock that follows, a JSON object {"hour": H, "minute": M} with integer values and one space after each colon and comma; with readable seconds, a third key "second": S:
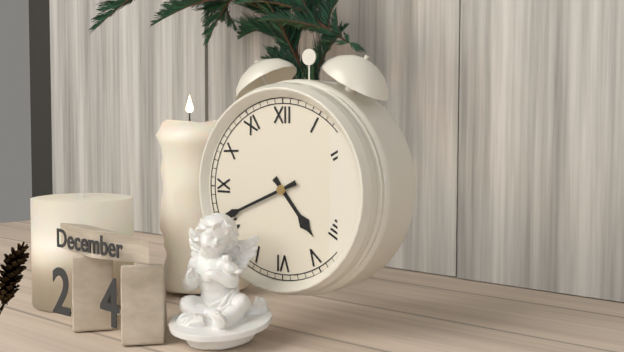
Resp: {"hour": 4, "minute": 41}
